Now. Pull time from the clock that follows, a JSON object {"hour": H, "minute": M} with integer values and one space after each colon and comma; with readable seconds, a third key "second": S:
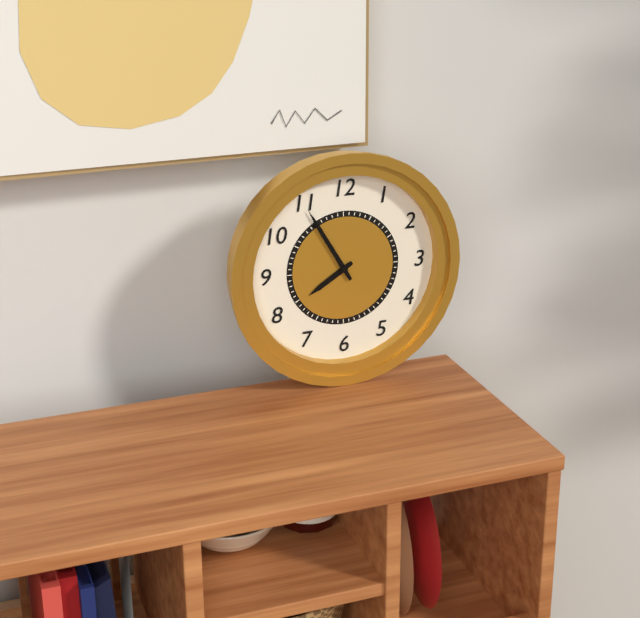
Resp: {"hour": 7, "minute": 55}
